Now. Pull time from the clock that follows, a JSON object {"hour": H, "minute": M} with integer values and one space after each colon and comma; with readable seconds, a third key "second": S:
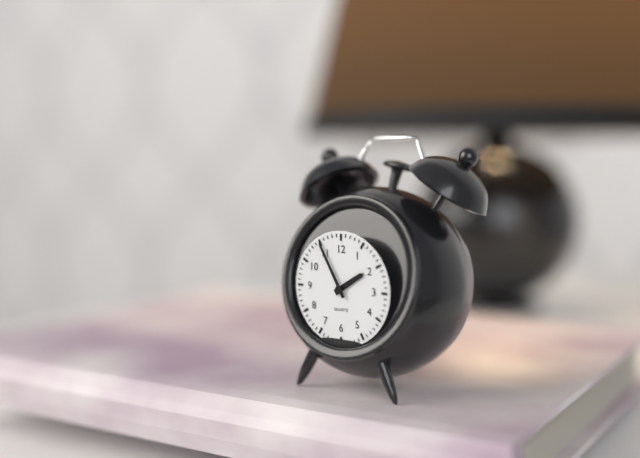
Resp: {"hour": 1, "minute": 55}
